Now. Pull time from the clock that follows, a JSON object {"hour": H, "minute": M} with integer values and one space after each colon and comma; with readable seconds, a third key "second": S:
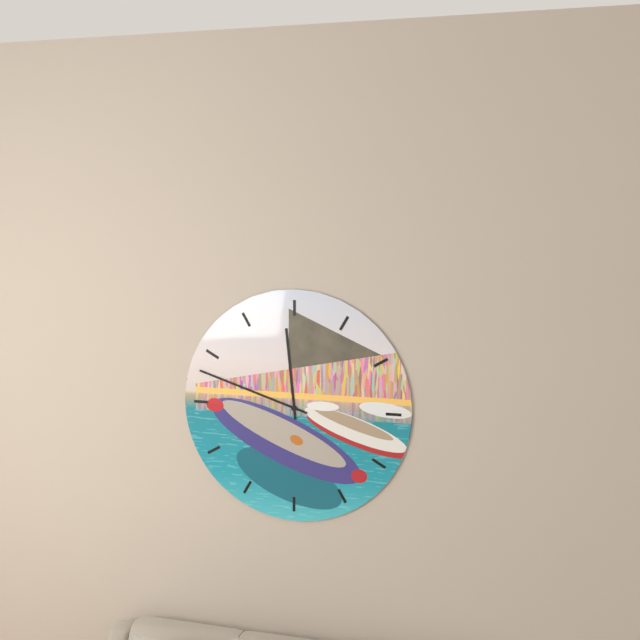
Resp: {"hour": 11, "minute": 48}
